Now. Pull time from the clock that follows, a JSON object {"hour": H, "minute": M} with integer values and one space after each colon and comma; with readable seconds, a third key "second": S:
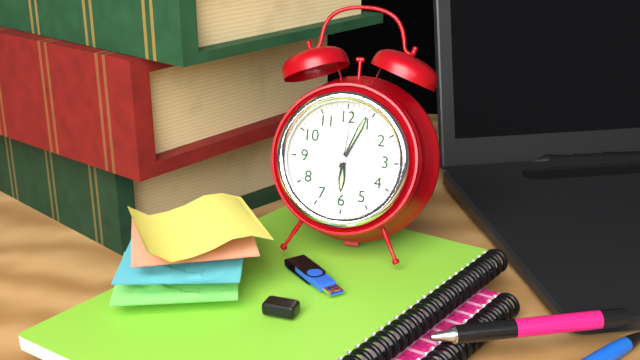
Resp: {"hour": 6, "minute": 4, "second": 1}
